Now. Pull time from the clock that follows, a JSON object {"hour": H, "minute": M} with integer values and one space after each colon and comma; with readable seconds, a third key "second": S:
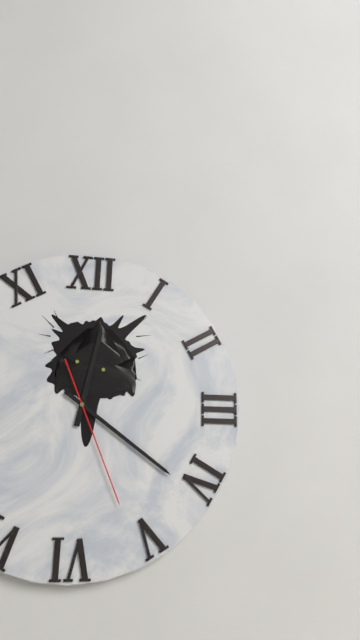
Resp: {"hour": 12, "minute": 21, "second": 26}
